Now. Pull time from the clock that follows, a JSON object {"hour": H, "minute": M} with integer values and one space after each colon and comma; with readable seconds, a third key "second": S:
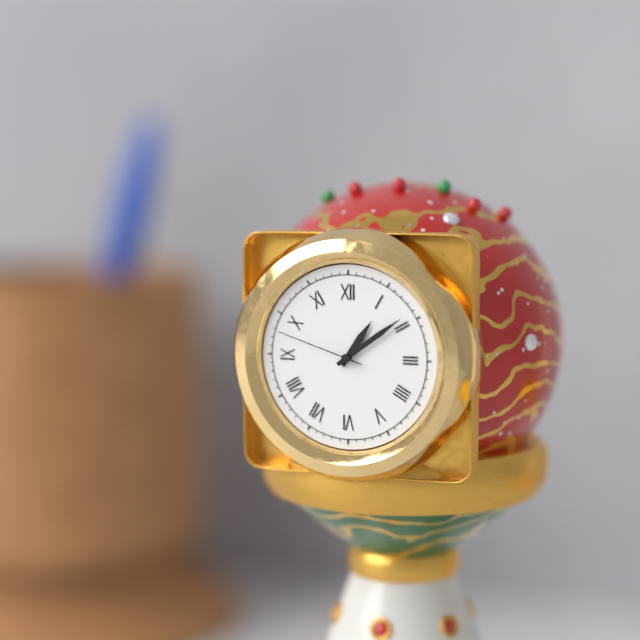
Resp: {"hour": 1, "minute": 9, "second": 48}
